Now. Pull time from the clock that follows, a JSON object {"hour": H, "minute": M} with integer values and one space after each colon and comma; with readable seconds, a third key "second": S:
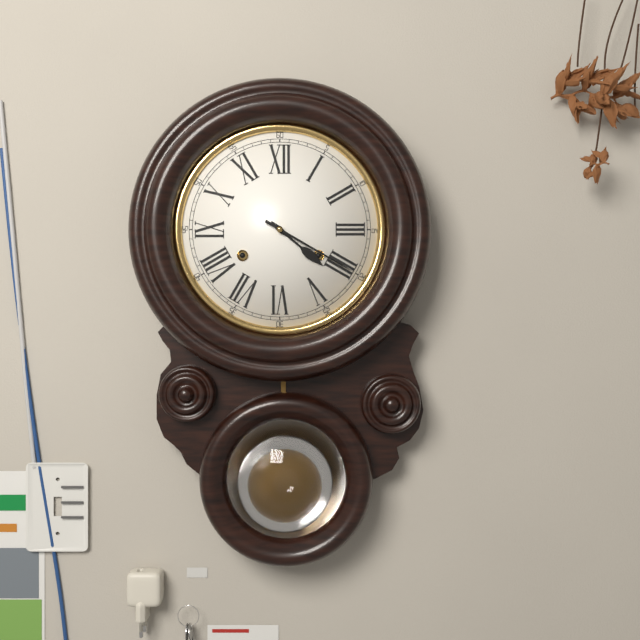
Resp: {"hour": 4, "minute": 20}
